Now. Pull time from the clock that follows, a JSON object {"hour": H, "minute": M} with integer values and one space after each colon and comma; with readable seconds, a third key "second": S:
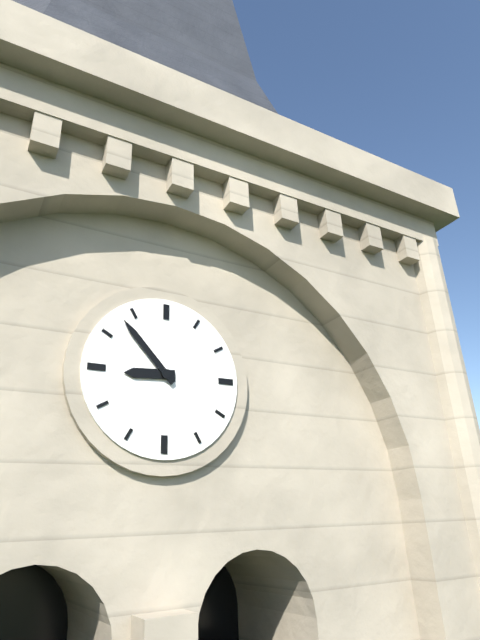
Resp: {"hour": 8, "minute": 53}
